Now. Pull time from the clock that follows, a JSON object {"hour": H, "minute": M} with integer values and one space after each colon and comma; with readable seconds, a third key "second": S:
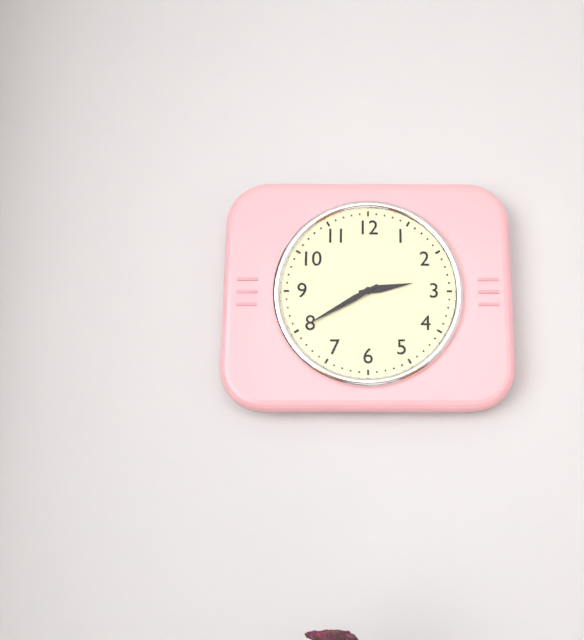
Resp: {"hour": 2, "minute": 40}
